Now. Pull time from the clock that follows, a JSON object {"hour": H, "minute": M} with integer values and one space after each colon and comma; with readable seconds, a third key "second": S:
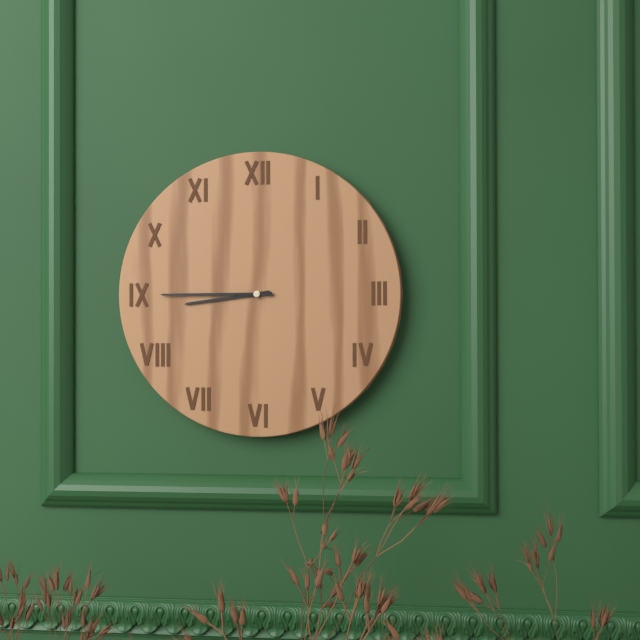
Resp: {"hour": 8, "minute": 45}
